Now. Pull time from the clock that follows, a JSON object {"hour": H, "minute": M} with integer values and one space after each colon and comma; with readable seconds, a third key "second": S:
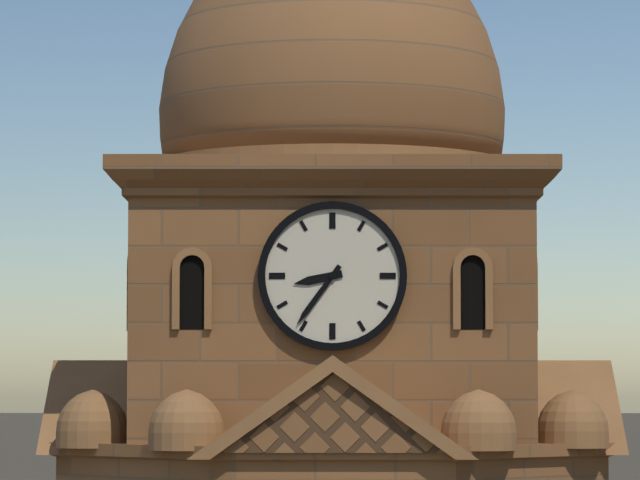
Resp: {"hour": 8, "minute": 36}
